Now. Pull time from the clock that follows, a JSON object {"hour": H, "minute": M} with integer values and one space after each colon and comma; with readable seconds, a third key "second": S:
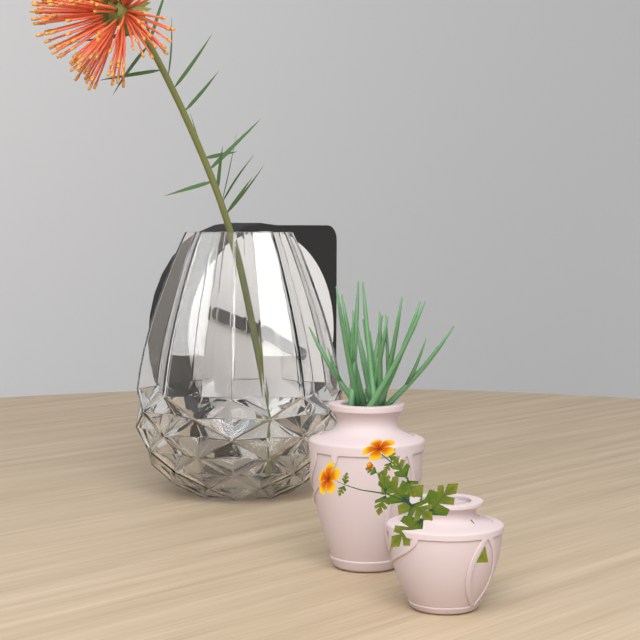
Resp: {"hour": 3, "minute": 48}
